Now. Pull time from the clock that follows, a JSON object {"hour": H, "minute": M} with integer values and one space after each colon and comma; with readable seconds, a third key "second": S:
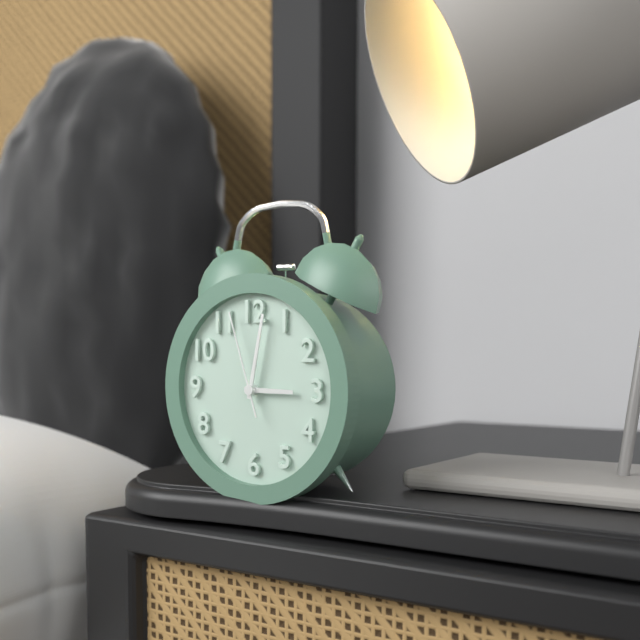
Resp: {"hour": 3, "minute": 2, "second": 57}
